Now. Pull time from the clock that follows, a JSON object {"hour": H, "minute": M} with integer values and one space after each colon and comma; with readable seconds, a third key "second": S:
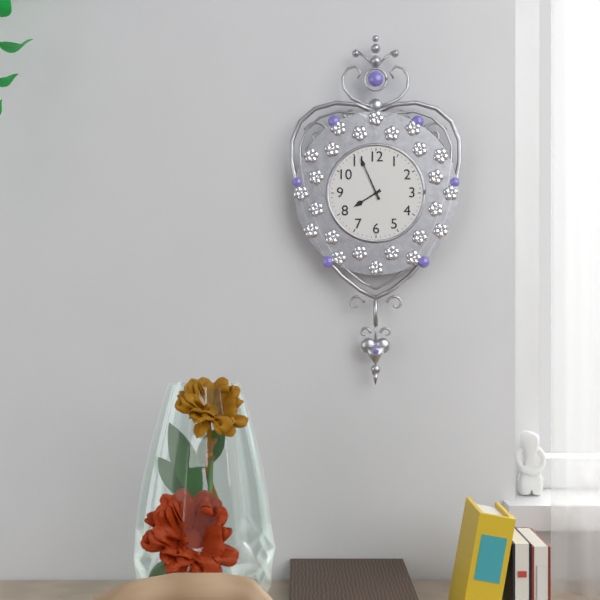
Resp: {"hour": 7, "minute": 56}
